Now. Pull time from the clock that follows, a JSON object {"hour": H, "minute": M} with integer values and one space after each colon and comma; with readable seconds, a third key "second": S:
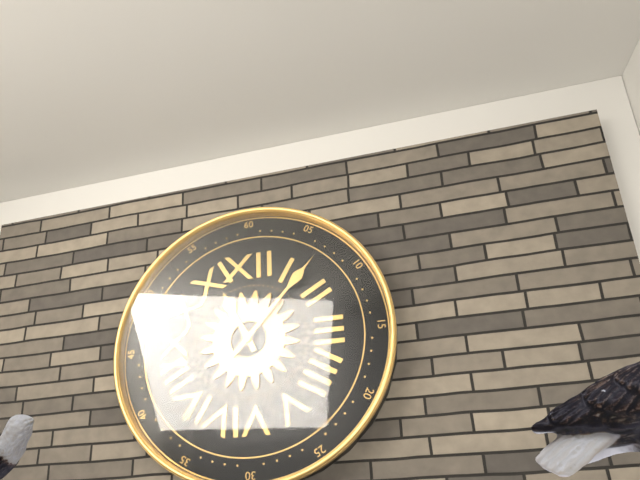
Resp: {"hour": 11, "minute": 7}
